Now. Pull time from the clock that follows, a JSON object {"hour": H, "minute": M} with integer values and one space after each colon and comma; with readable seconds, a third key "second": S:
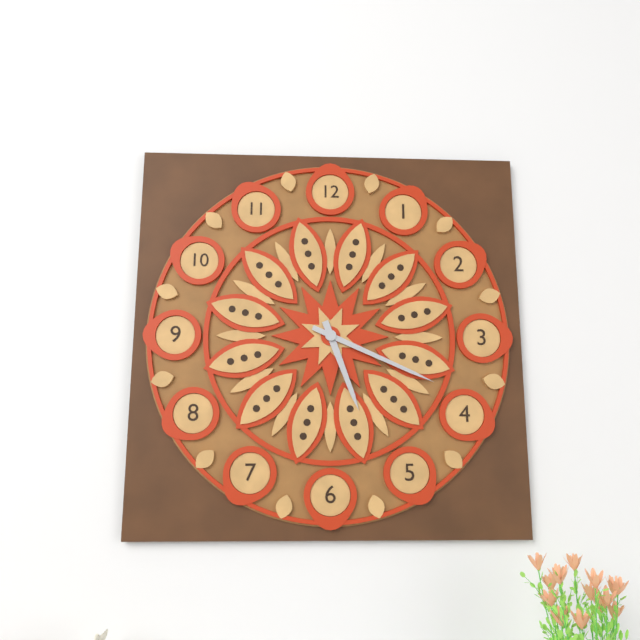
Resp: {"hour": 5, "minute": 19}
